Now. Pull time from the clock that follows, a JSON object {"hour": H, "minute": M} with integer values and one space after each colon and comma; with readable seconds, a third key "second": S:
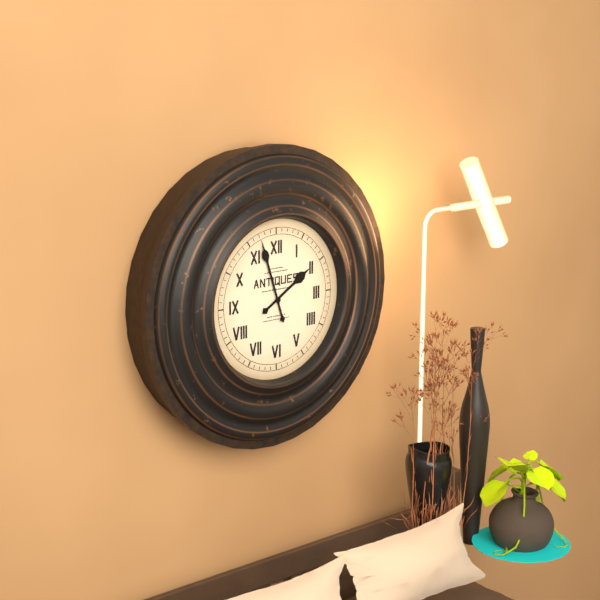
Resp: {"hour": 1, "minute": 57}
